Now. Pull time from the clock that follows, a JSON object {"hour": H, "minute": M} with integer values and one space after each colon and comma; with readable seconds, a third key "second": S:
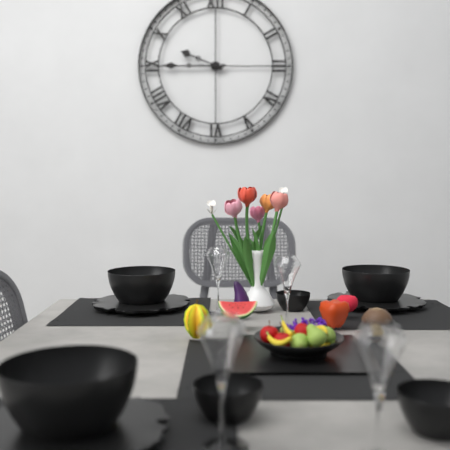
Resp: {"hour": 9, "minute": 45}
